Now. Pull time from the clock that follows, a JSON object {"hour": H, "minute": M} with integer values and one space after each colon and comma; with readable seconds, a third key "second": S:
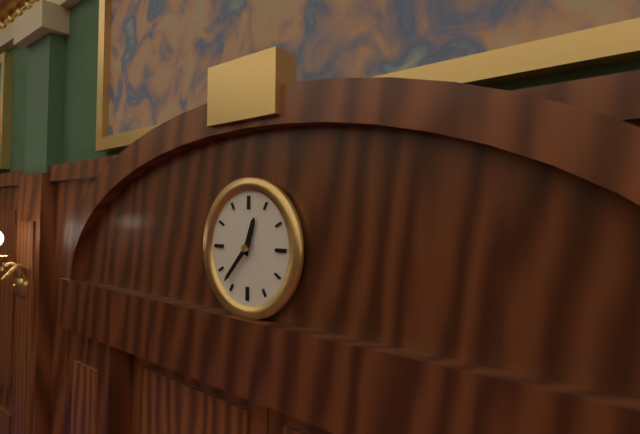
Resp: {"hour": 12, "minute": 37}
